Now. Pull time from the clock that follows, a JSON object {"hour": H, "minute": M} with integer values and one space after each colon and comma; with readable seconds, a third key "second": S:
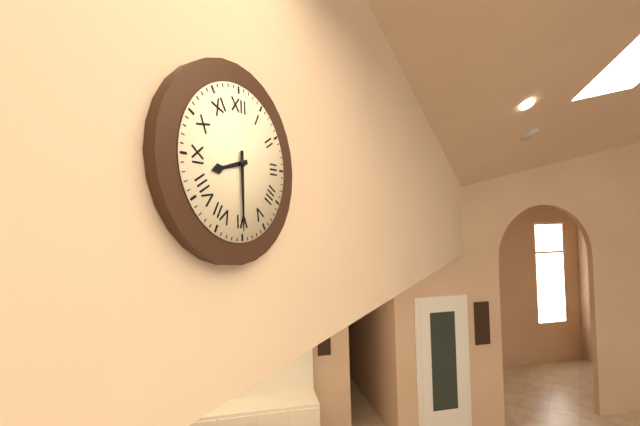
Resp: {"hour": 8, "minute": 30}
